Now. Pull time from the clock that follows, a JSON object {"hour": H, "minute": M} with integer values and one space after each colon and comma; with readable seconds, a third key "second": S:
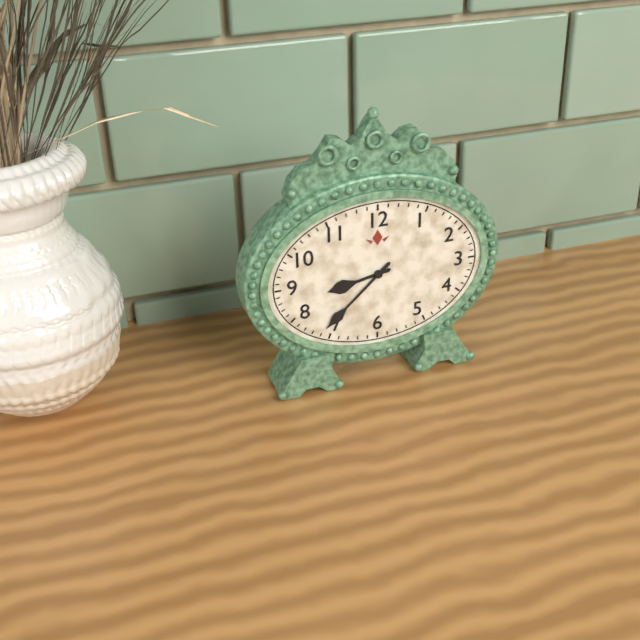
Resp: {"hour": 8, "minute": 38}
